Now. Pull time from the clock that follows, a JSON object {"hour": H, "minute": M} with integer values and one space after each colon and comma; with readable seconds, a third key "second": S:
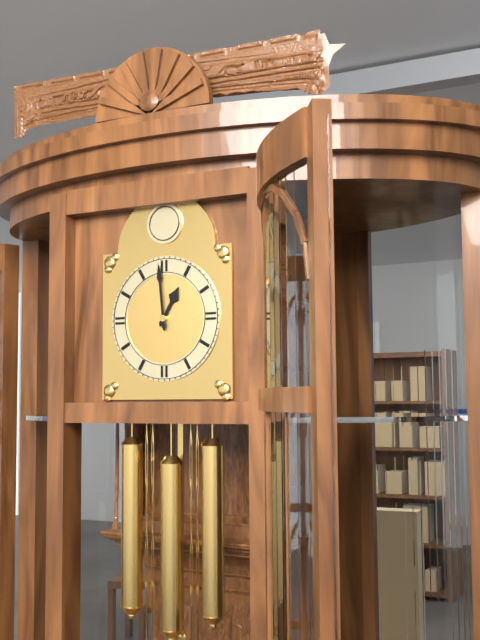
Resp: {"hour": 12, "minute": 59}
